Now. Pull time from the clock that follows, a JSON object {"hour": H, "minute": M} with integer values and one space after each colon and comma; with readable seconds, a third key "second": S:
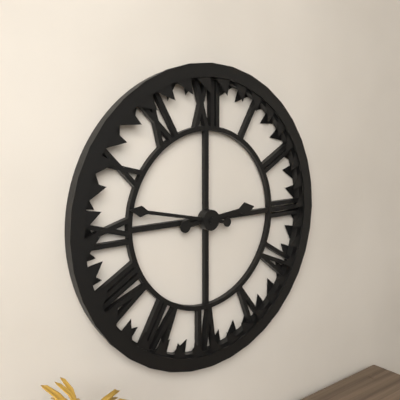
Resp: {"hour": 2, "minute": 47}
